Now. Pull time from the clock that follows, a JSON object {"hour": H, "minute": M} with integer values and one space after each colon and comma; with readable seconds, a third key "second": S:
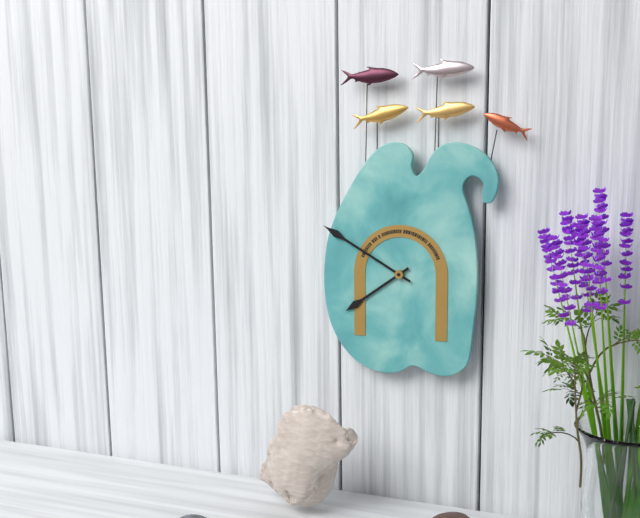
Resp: {"hour": 7, "minute": 50}
